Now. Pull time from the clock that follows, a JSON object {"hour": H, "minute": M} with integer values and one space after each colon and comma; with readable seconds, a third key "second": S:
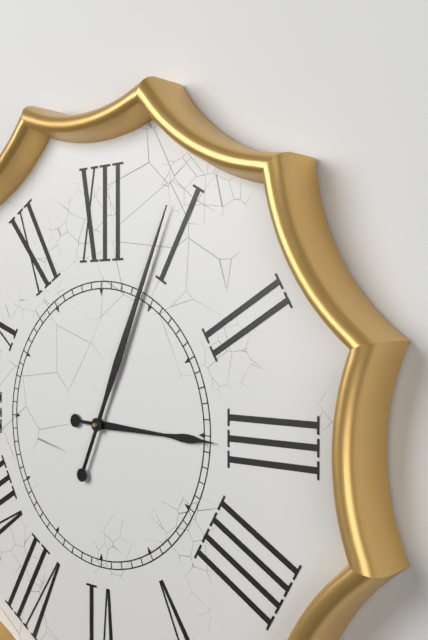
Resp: {"hour": 3, "minute": 4}
